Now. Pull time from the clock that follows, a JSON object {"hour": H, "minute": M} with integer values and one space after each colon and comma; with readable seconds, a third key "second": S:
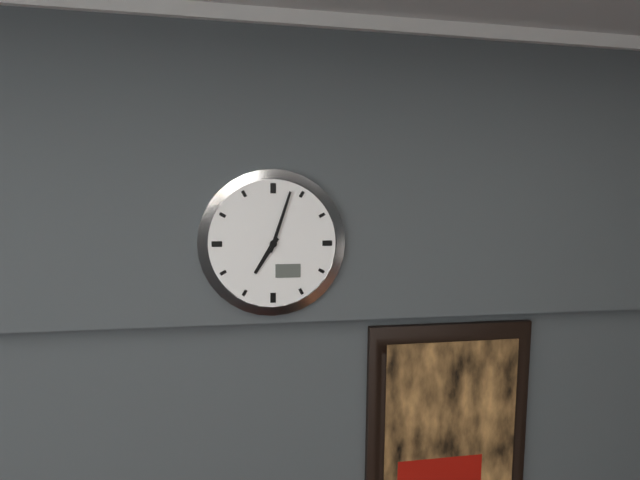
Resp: {"hour": 7, "minute": 3}
